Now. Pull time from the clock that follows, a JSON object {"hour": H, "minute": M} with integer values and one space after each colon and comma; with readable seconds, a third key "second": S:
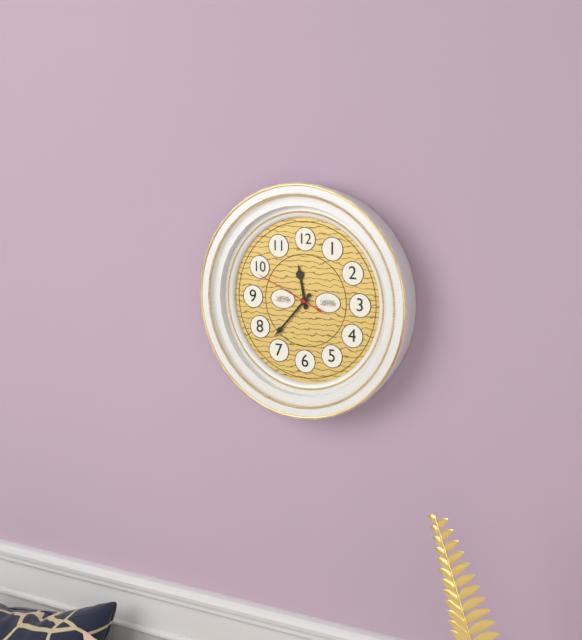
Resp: {"hour": 11, "minute": 37, "second": 49}
